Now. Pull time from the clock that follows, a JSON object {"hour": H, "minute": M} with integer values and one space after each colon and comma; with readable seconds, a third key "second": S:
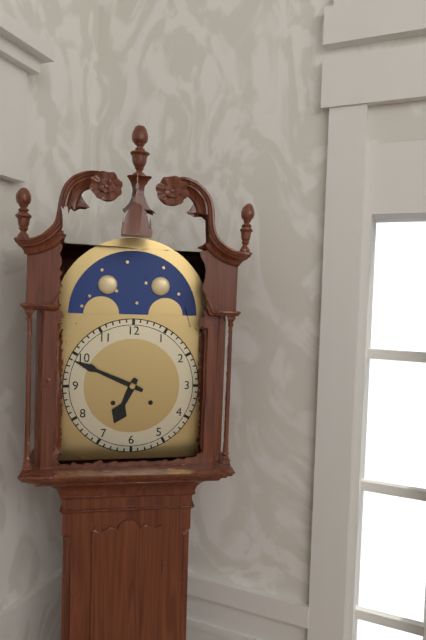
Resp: {"hour": 6, "minute": 49}
